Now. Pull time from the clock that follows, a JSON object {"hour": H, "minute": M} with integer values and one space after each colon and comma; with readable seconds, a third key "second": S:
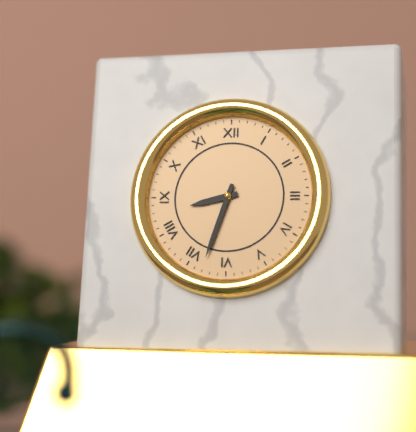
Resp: {"hour": 8, "minute": 33}
